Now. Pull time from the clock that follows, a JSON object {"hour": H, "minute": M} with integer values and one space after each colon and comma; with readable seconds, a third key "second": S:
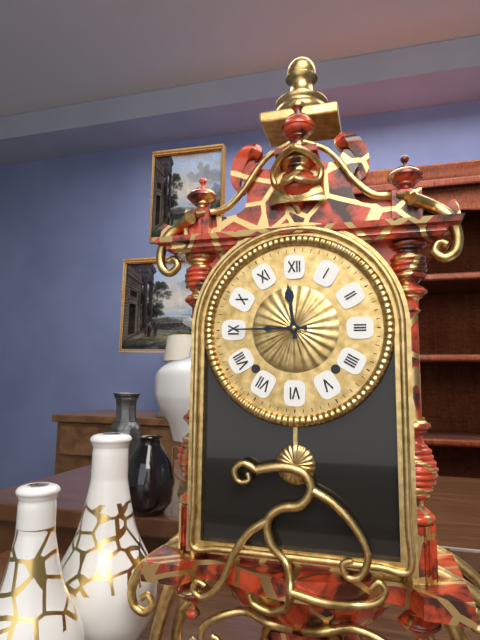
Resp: {"hour": 11, "minute": 45}
